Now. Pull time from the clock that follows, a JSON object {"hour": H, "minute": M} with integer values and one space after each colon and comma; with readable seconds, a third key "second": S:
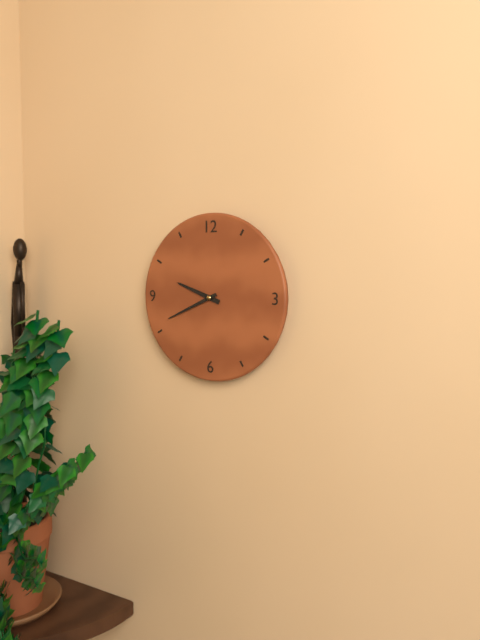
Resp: {"hour": 9, "minute": 41}
